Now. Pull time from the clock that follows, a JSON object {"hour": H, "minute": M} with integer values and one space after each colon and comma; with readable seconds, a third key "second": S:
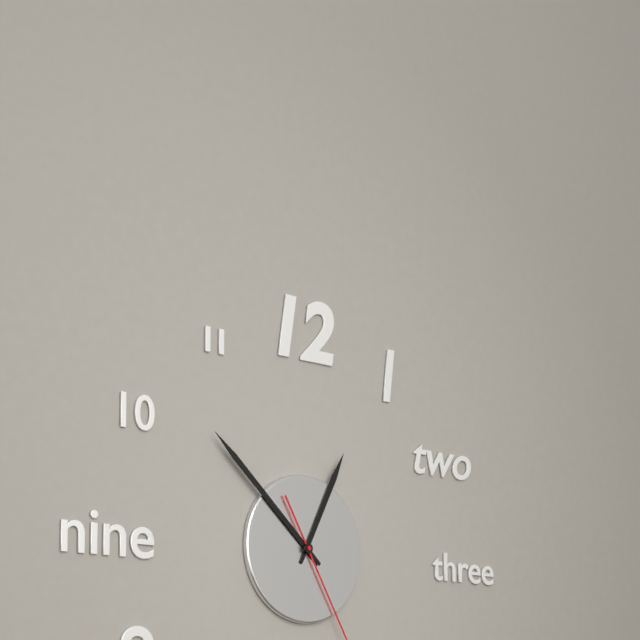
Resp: {"hour": 12, "minute": 52}
